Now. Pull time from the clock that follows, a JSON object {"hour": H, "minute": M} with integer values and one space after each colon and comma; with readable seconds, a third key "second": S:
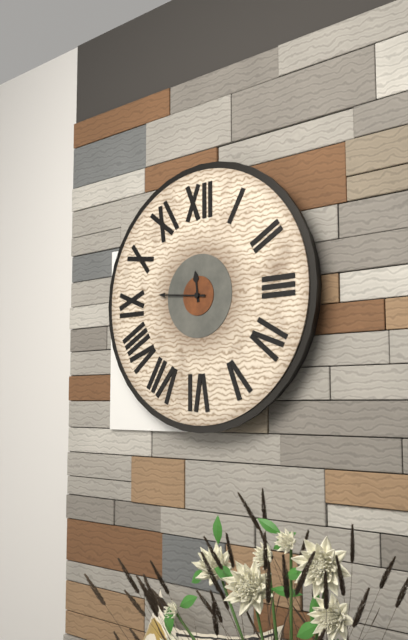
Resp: {"hour": 11, "minute": 46}
